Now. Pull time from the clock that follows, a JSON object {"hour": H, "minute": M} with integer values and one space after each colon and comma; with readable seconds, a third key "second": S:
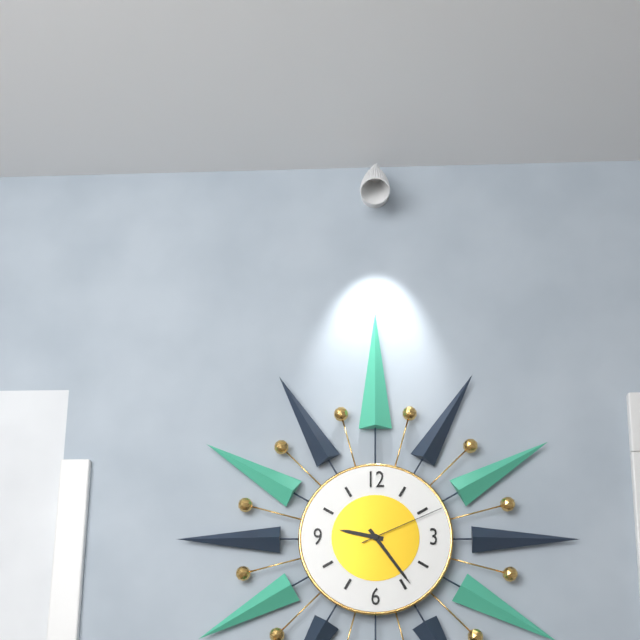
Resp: {"hour": 9, "minute": 24, "second": 11}
